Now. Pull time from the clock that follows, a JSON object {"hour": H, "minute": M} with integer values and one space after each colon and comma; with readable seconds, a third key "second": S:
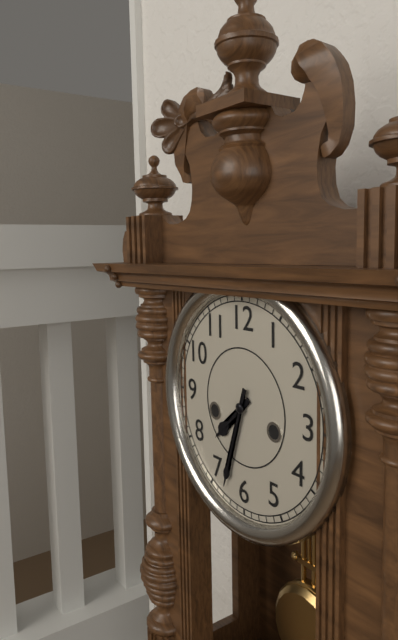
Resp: {"hour": 7, "minute": 33}
